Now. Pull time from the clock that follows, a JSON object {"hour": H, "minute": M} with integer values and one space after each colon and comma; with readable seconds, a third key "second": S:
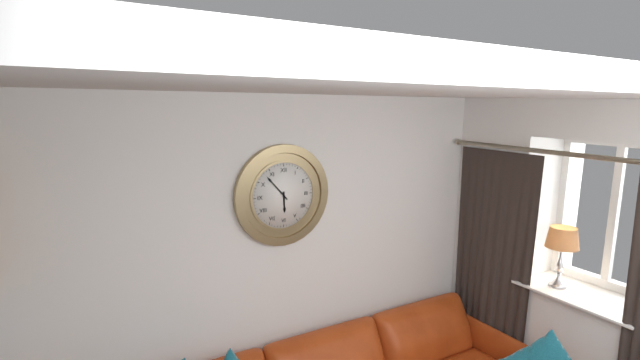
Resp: {"hour": 5, "minute": 53}
